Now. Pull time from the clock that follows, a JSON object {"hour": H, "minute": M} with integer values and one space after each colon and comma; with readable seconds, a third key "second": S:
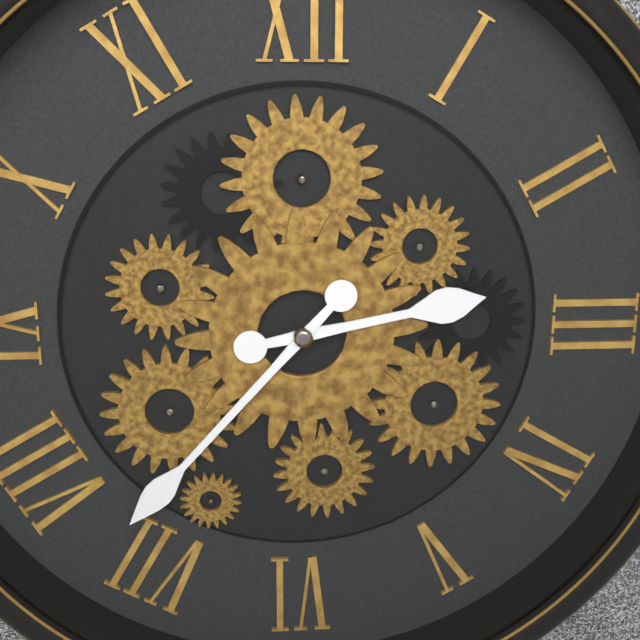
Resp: {"hour": 2, "minute": 37}
